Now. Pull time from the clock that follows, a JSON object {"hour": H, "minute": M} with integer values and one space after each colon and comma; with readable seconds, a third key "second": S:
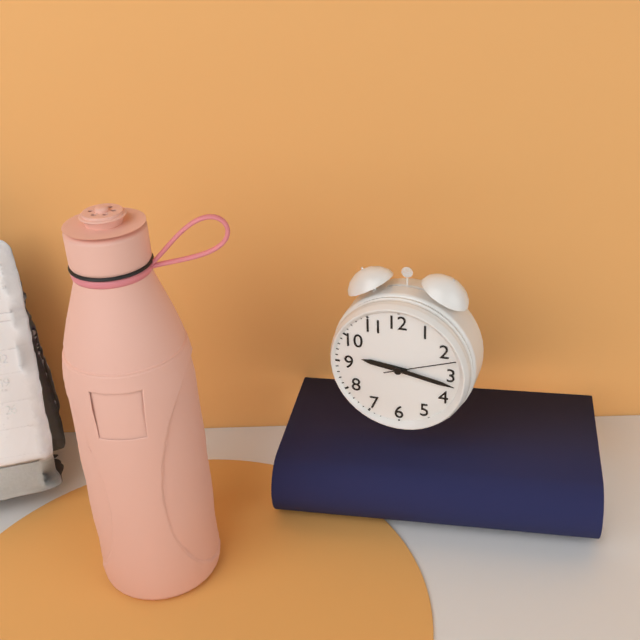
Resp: {"hour": 9, "minute": 17, "second": 12}
